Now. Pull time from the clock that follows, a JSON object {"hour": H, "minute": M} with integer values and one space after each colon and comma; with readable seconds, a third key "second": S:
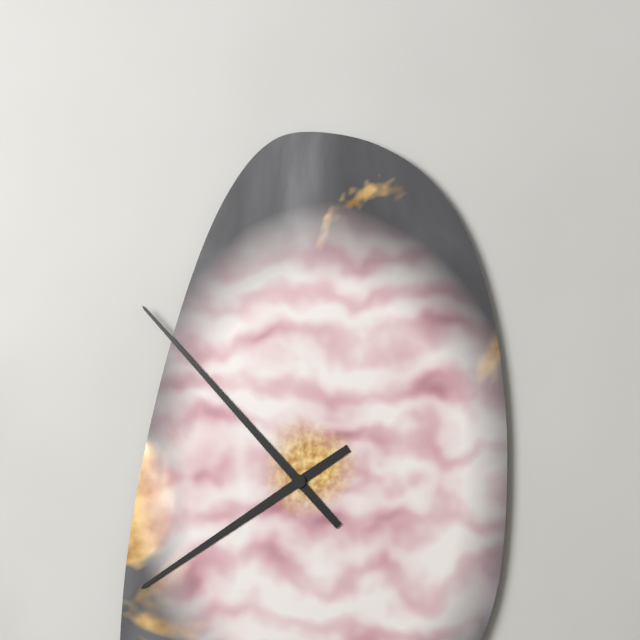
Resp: {"hour": 7, "minute": 53}
